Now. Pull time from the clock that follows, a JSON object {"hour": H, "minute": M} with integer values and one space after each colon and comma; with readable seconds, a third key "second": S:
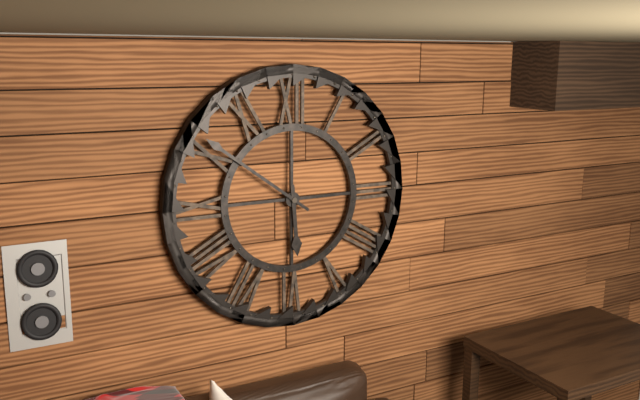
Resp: {"hour": 5, "minute": 51}
